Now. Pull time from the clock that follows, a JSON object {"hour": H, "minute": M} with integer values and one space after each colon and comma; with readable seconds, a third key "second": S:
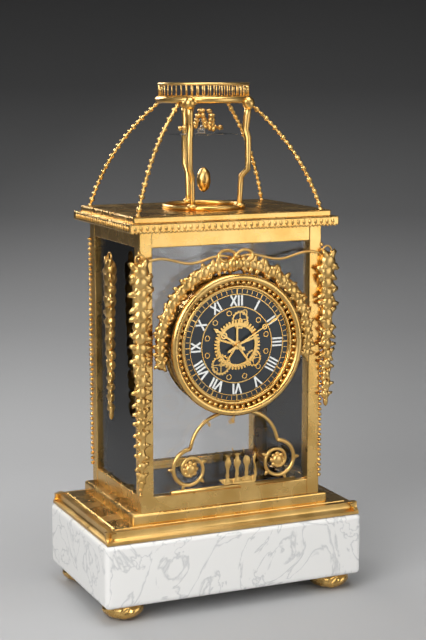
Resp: {"hour": 10, "minute": 10}
